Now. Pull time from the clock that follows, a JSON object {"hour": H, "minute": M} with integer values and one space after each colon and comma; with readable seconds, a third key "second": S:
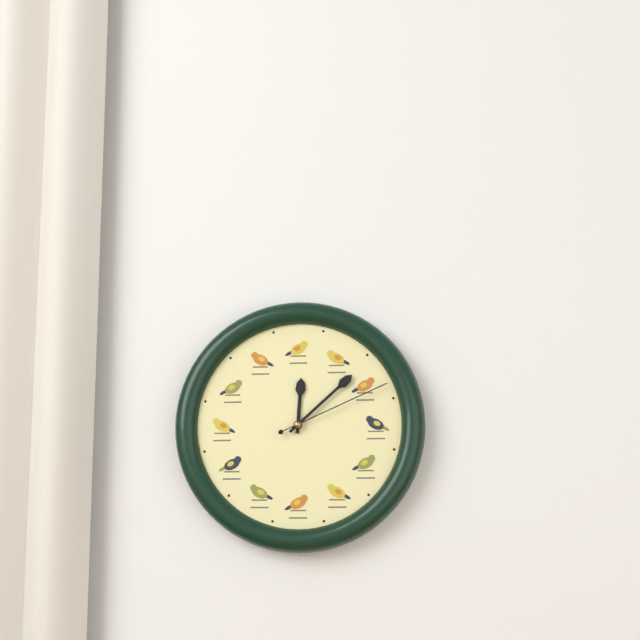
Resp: {"hour": 12, "minute": 8, "second": 11}
